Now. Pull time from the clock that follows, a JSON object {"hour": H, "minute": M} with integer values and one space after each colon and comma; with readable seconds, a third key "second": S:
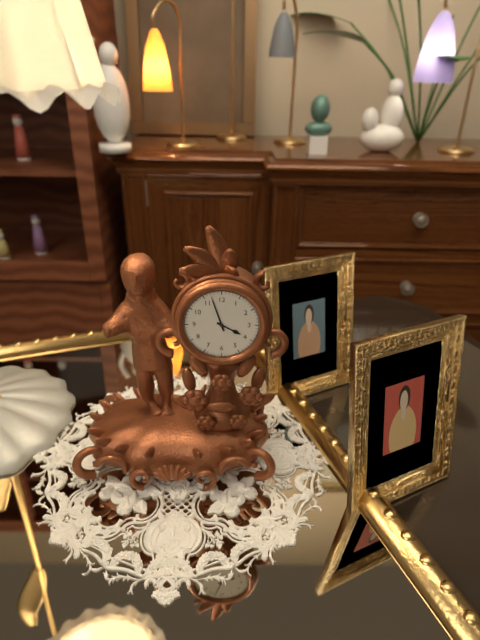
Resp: {"hour": 3, "minute": 57}
